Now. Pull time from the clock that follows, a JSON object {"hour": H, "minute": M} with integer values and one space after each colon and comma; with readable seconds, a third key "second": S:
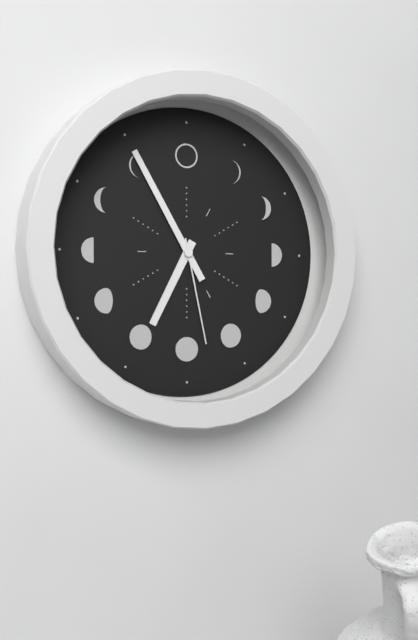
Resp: {"hour": 6, "minute": 55, "second": 28}
